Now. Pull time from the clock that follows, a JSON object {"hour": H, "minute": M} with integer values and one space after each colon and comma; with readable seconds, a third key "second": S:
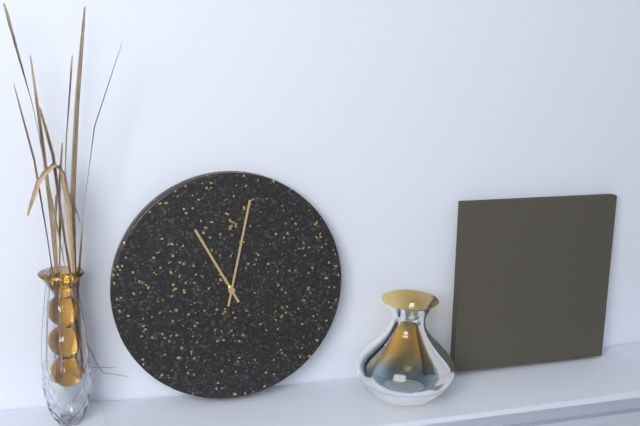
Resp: {"hour": 11, "minute": 2}
